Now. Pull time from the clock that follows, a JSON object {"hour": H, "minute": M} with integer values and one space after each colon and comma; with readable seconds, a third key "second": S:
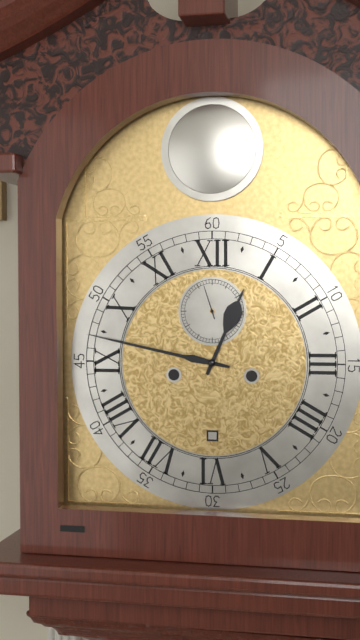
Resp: {"hour": 12, "minute": 47}
